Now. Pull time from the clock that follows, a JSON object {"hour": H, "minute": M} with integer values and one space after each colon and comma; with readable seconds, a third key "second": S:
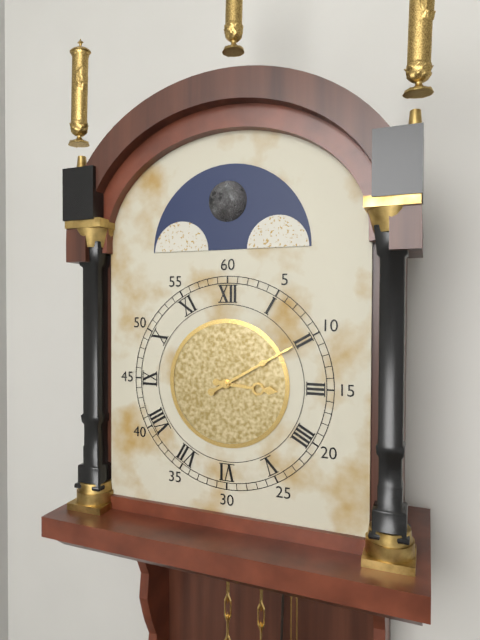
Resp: {"hour": 3, "minute": 10}
